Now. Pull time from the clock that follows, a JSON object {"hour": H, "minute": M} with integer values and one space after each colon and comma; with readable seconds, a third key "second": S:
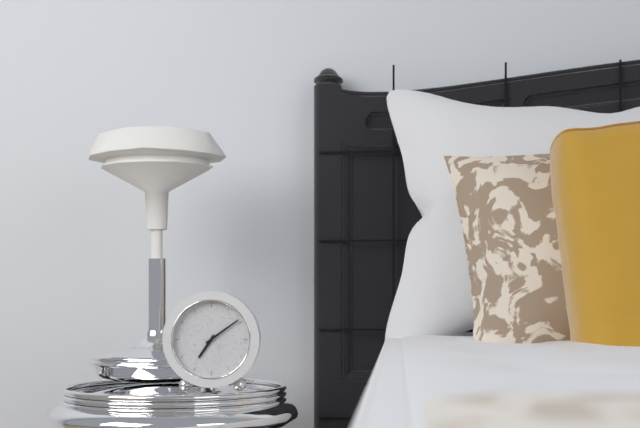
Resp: {"hour": 7, "minute": 9}
